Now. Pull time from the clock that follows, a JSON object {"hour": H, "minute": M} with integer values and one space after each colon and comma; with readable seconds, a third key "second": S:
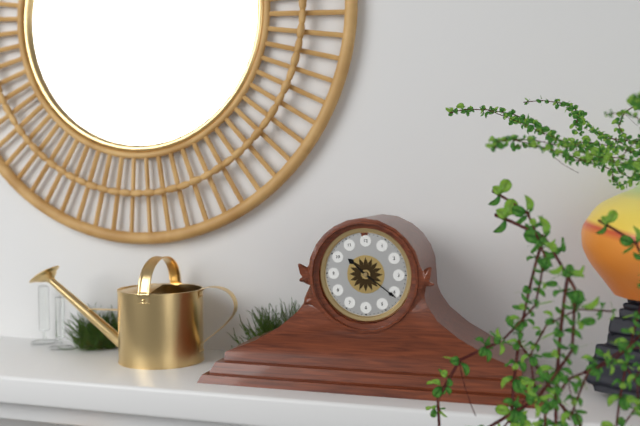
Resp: {"hour": 10, "minute": 21}
